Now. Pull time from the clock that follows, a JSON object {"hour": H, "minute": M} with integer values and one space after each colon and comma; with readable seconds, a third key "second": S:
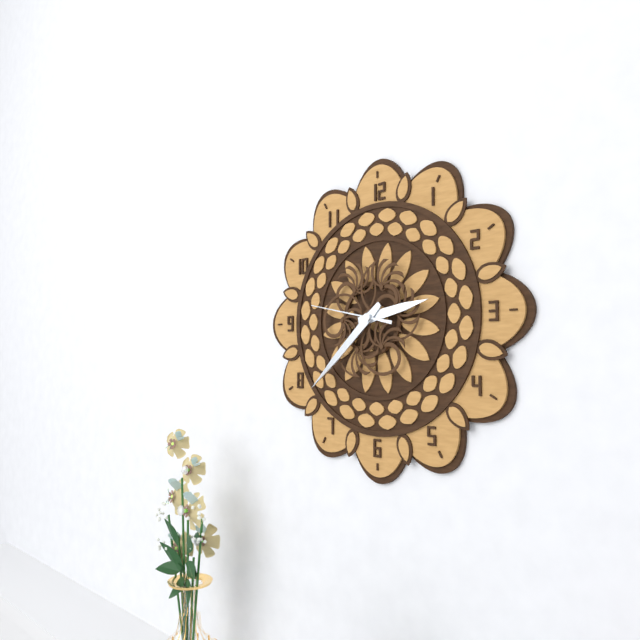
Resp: {"hour": 2, "minute": 38, "second": 47}
